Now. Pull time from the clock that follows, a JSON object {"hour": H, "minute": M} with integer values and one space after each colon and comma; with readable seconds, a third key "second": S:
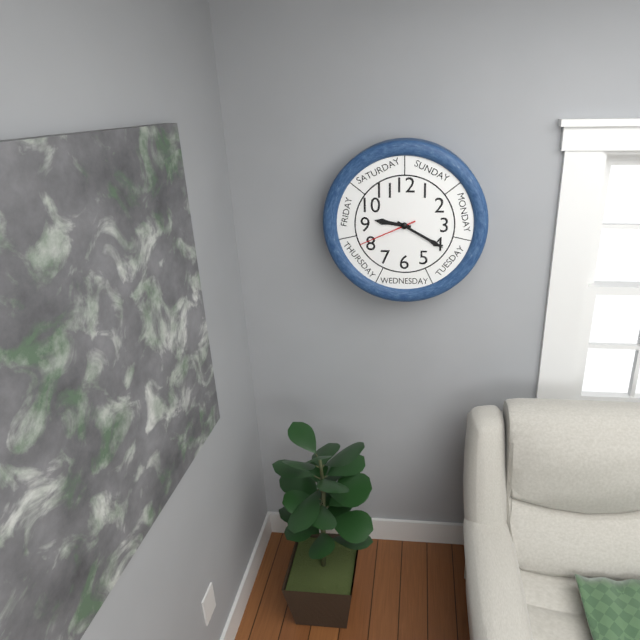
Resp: {"hour": 9, "minute": 20, "second": 41}
